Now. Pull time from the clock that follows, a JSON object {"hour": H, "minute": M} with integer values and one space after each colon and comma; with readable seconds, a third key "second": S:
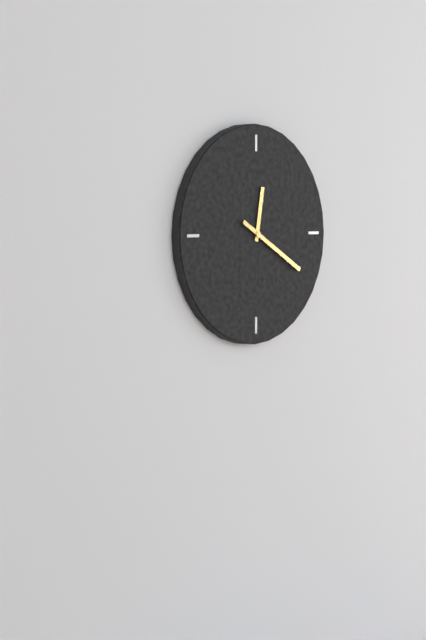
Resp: {"hour": 12, "minute": 20}
